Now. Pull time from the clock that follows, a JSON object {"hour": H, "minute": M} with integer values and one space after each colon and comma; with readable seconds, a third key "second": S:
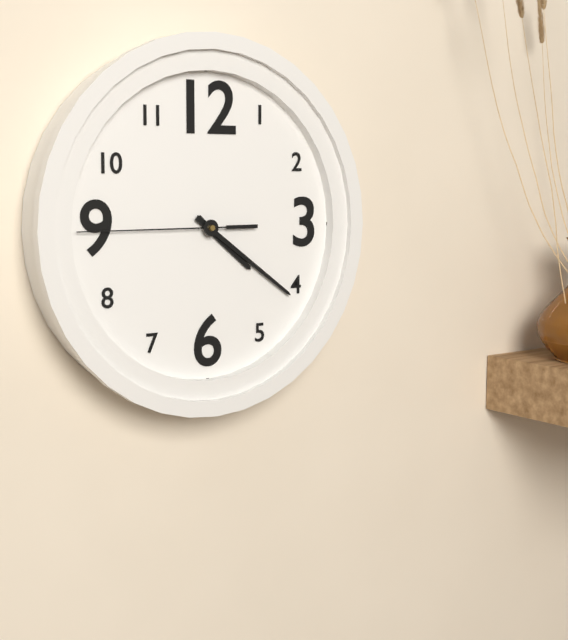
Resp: {"hour": 4, "minute": 21, "second": 45}
